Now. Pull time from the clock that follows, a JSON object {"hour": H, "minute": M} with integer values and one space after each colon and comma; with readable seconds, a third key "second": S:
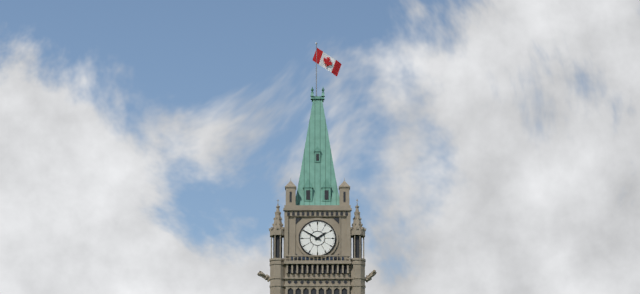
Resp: {"hour": 1, "minute": 50}
